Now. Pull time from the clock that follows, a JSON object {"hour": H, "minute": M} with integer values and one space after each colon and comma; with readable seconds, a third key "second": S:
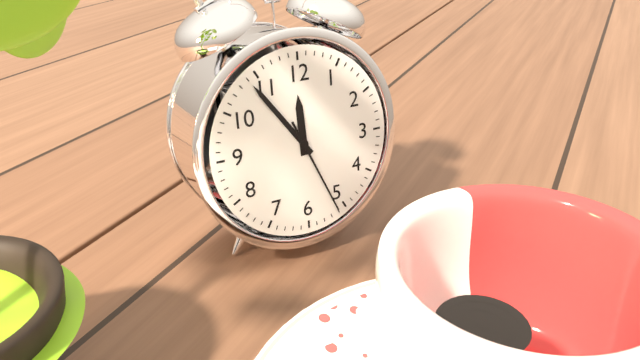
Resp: {"hour": 11, "minute": 54, "second": 26}
